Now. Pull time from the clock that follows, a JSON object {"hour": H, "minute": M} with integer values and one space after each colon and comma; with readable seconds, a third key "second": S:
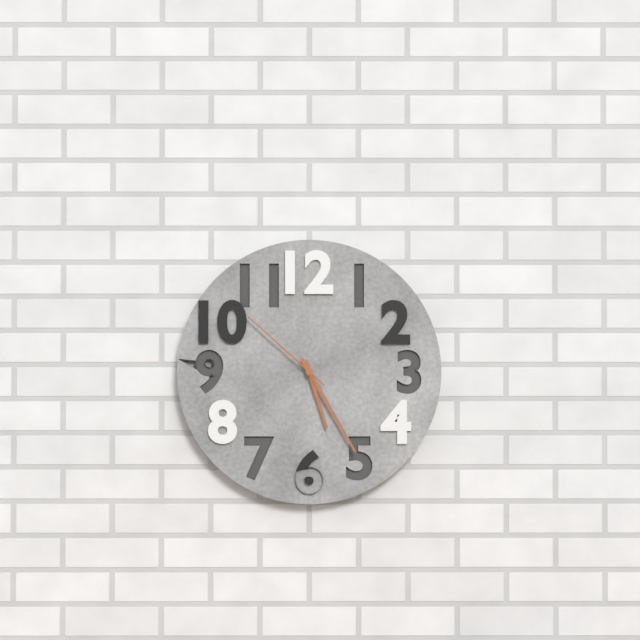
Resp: {"hour": 5, "minute": 25, "second": 52}
